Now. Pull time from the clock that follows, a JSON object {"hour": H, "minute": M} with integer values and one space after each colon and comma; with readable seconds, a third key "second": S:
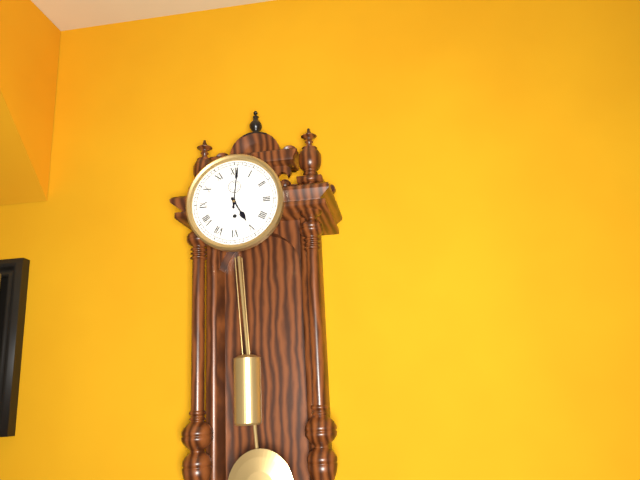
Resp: {"hour": 5, "minute": 1}
